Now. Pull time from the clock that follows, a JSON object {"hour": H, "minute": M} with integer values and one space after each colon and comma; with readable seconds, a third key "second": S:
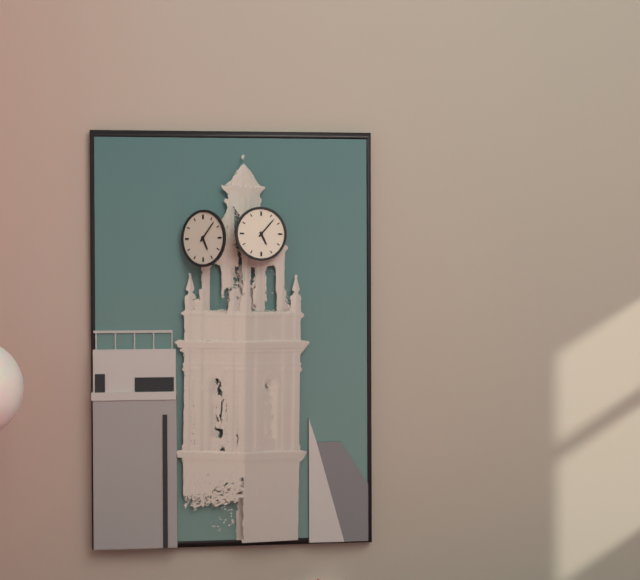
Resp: {"hour": 5, "minute": 7}
